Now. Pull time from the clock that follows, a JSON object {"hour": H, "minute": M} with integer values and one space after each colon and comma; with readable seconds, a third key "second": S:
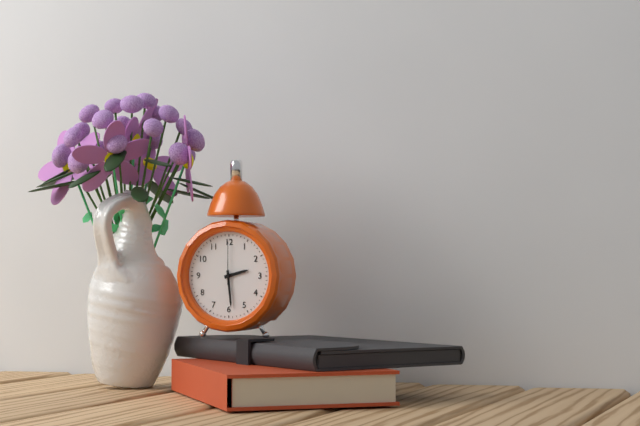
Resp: {"hour": 2, "minute": 29}
